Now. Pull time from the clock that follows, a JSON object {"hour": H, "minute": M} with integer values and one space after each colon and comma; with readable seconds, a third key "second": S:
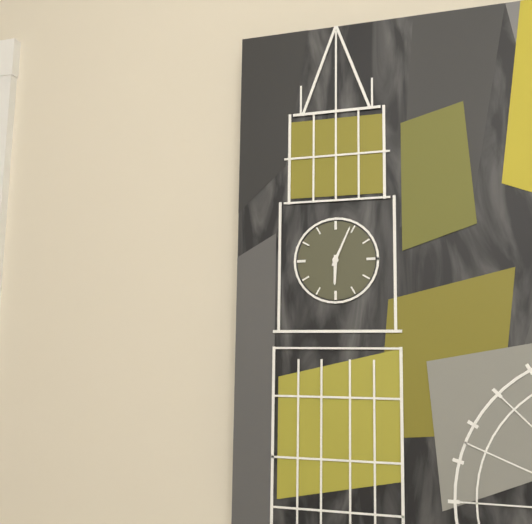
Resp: {"hour": 6, "minute": 4}
